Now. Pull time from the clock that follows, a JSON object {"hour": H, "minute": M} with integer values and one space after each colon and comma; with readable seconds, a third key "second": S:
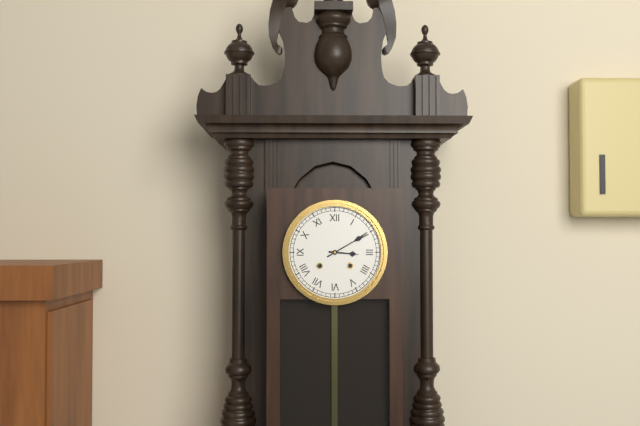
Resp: {"hour": 3, "minute": 10}
